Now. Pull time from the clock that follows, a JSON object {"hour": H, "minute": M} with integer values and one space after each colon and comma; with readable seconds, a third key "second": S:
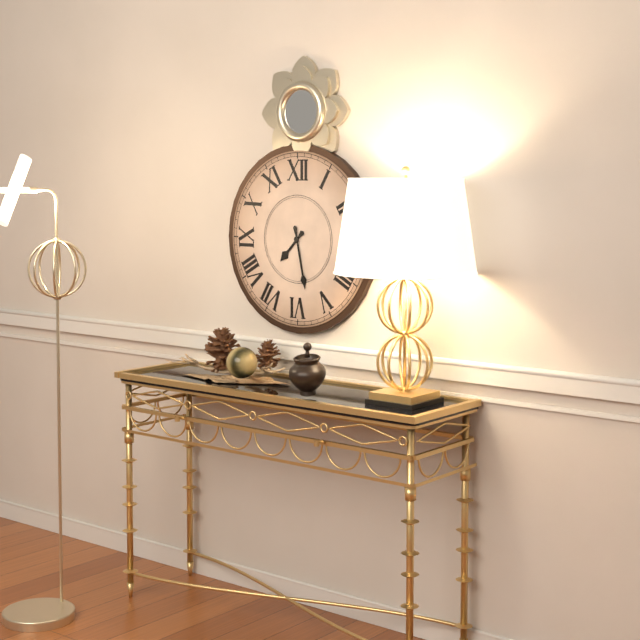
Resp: {"hour": 7, "minute": 28}
